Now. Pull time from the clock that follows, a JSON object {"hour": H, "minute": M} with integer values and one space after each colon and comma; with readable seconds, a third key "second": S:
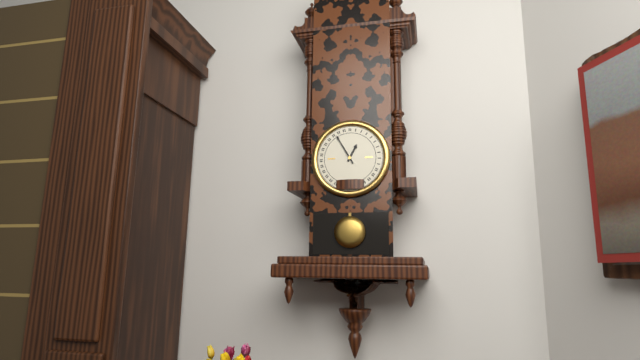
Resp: {"hour": 12, "minute": 55}
